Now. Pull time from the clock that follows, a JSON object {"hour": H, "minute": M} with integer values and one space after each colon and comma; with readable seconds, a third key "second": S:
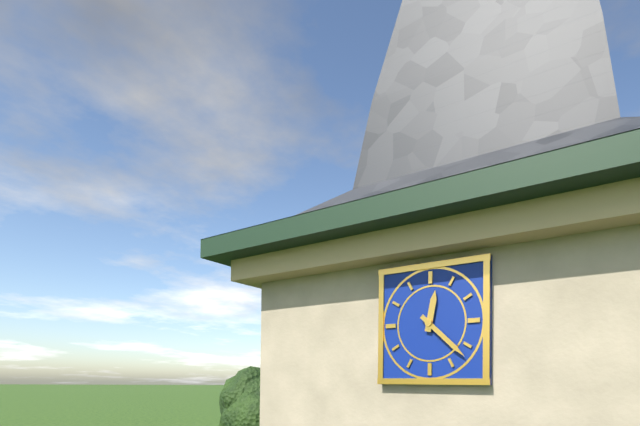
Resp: {"hour": 12, "minute": 22}
